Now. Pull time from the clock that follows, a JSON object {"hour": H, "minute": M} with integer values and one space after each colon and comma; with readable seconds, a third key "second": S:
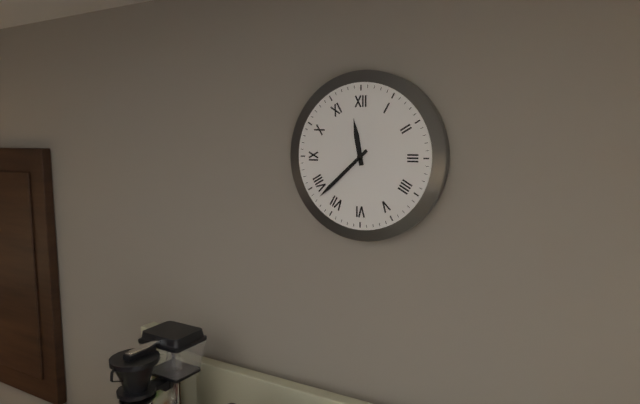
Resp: {"hour": 11, "minute": 38}
